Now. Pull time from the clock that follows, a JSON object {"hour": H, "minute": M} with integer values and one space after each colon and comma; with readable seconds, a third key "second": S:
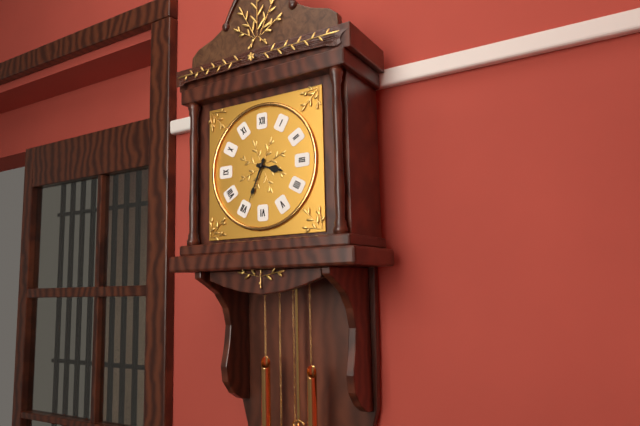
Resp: {"hour": 3, "minute": 34}
